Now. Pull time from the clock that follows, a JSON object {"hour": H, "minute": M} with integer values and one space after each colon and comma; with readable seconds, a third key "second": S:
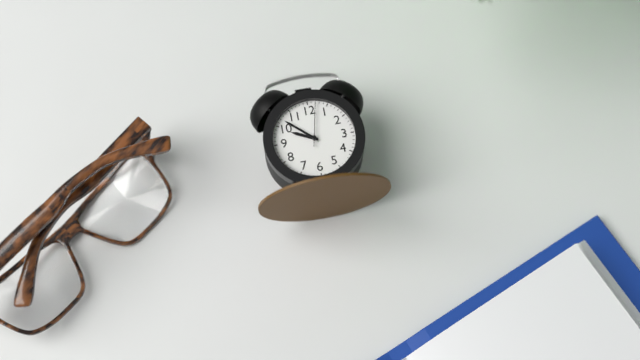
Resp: {"hour": 9, "minute": 52}
